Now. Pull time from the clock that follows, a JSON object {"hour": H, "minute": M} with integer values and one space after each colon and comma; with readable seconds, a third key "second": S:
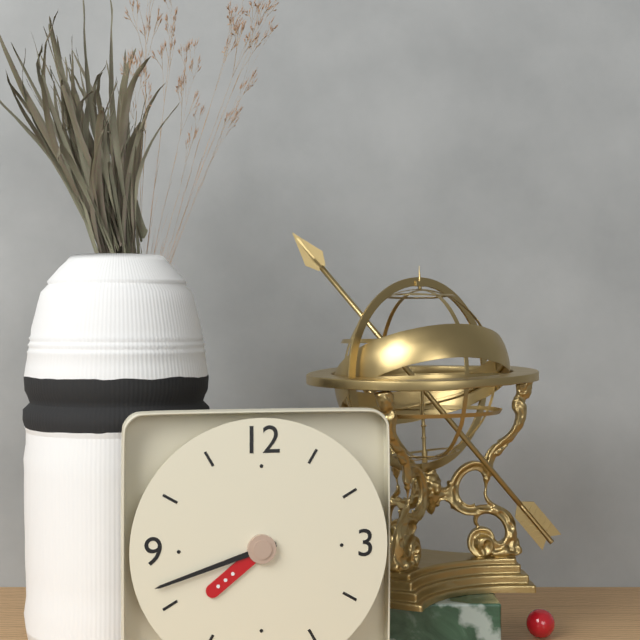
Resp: {"hour": 7, "minute": 42}
